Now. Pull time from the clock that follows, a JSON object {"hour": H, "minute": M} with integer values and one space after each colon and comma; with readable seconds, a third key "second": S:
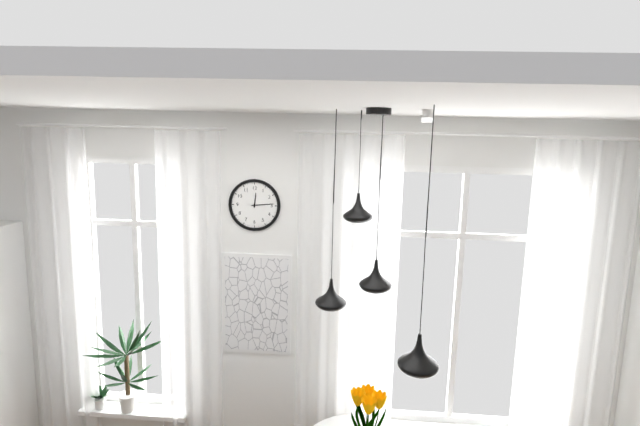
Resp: {"hour": 12, "minute": 14}
